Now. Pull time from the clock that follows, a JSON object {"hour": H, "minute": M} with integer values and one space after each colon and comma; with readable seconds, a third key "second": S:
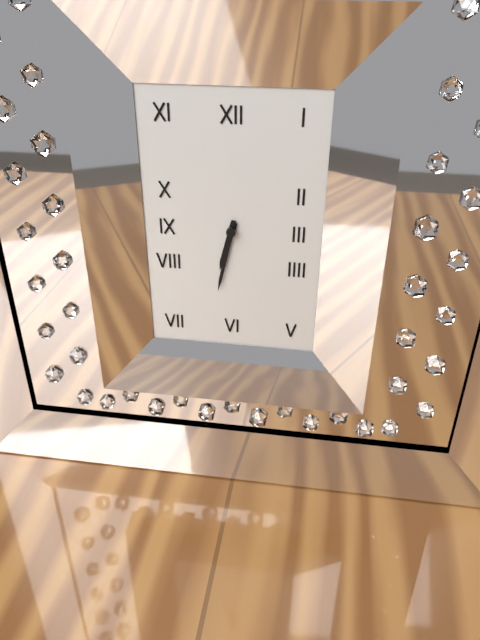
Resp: {"hour": 6, "minute": 32}
